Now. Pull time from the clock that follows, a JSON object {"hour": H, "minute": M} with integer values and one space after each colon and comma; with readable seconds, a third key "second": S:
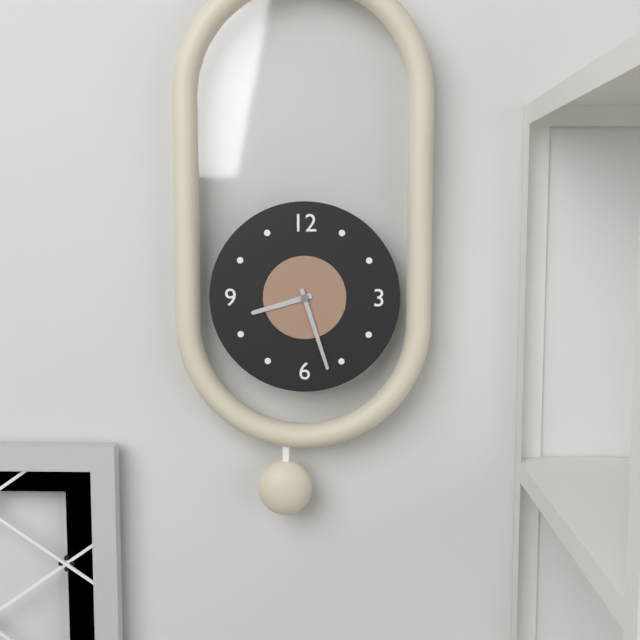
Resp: {"hour": 8, "minute": 27}
